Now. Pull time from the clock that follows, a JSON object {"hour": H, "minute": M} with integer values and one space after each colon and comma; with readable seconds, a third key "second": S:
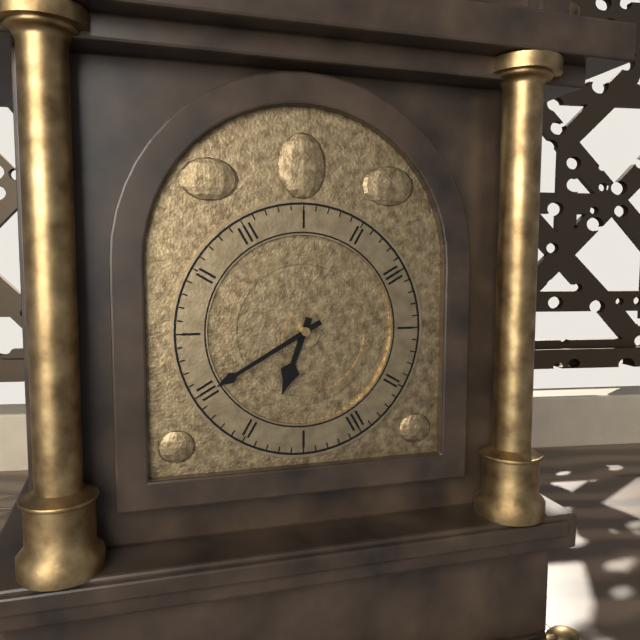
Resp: {"hour": 6, "minute": 40}
